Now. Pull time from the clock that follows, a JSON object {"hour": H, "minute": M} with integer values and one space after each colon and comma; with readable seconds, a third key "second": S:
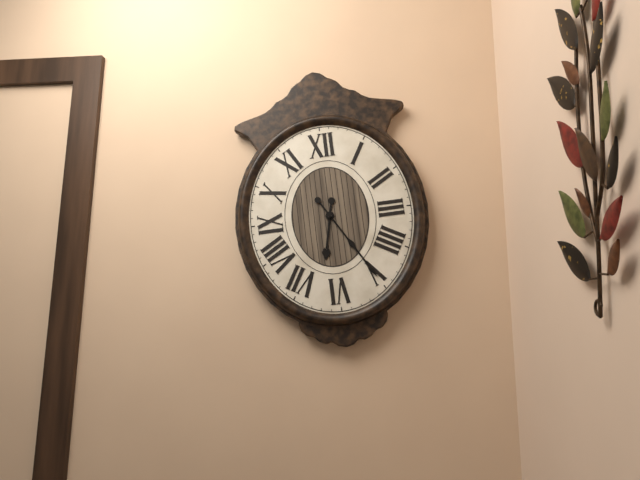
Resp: {"hour": 6, "minute": 25}
